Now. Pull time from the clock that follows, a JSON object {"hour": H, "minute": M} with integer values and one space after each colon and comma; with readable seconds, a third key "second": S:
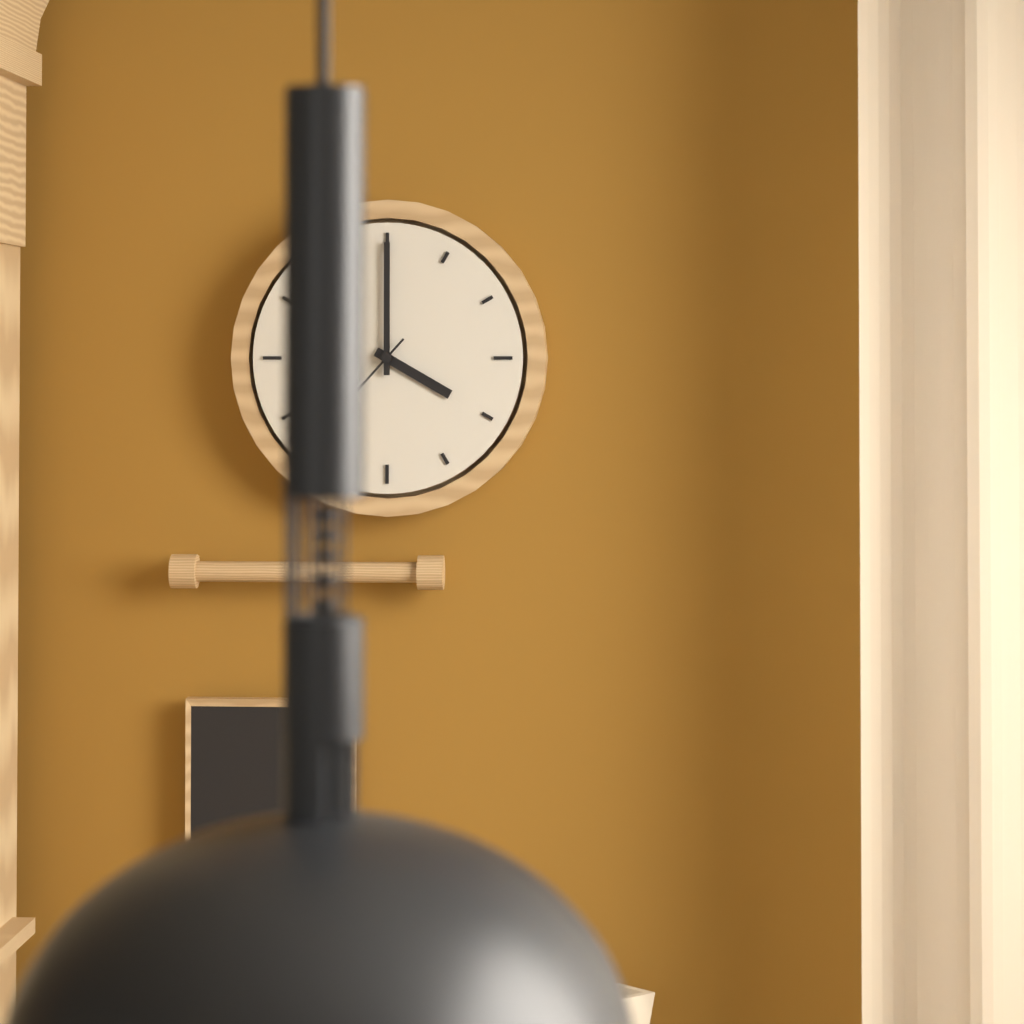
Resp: {"hour": 4, "minute": 0}
